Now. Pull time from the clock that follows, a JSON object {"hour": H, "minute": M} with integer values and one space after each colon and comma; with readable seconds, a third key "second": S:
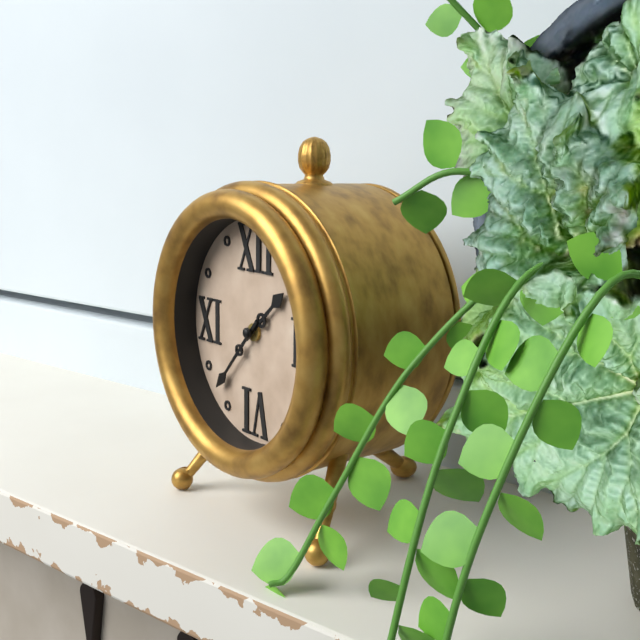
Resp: {"hour": 1, "minute": 37}
